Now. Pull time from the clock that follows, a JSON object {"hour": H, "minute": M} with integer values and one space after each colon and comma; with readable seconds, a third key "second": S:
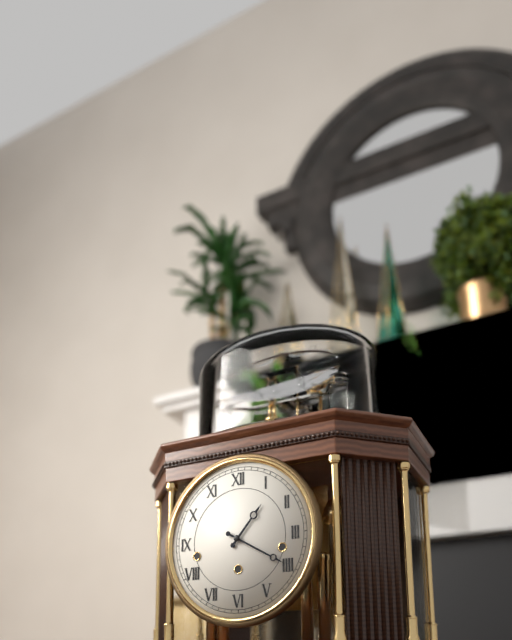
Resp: {"hour": 1, "minute": 20}
